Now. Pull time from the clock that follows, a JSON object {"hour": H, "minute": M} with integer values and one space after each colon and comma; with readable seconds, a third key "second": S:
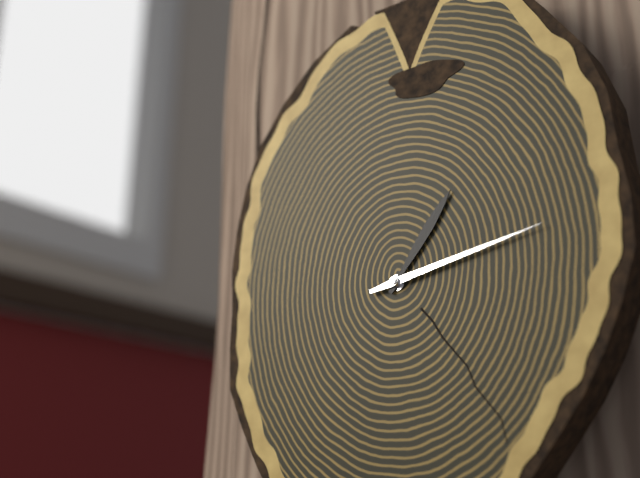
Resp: {"hour": 1, "minute": 13}
